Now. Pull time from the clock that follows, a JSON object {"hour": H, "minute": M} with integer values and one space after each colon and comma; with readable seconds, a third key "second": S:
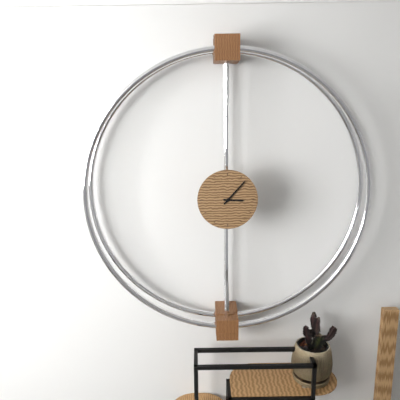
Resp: {"hour": 3, "minute": 7}
